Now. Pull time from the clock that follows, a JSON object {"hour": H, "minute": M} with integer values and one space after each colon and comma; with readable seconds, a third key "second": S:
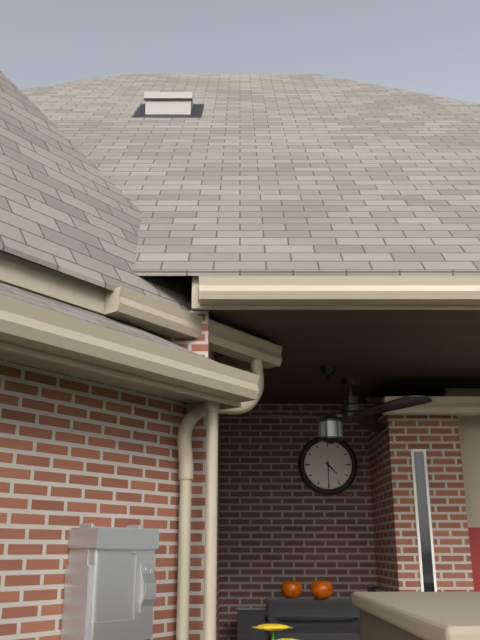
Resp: {"hour": 4, "minute": 30}
